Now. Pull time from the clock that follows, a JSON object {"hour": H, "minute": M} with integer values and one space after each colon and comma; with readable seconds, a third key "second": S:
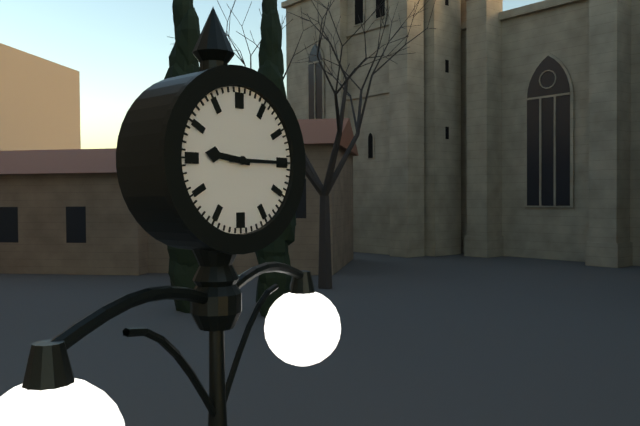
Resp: {"hour": 9, "minute": 15}
